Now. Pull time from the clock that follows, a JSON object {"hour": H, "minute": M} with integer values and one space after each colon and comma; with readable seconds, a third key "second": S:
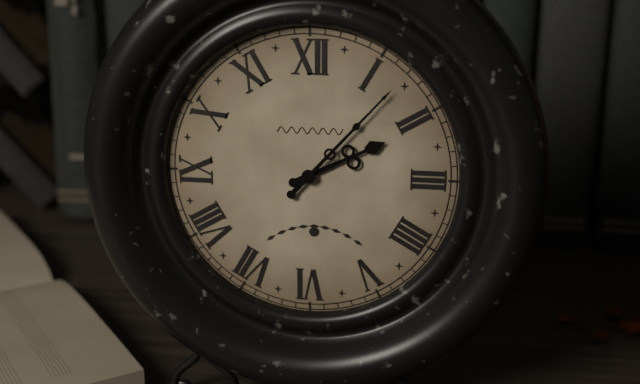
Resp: {"hour": 2, "minute": 7}
